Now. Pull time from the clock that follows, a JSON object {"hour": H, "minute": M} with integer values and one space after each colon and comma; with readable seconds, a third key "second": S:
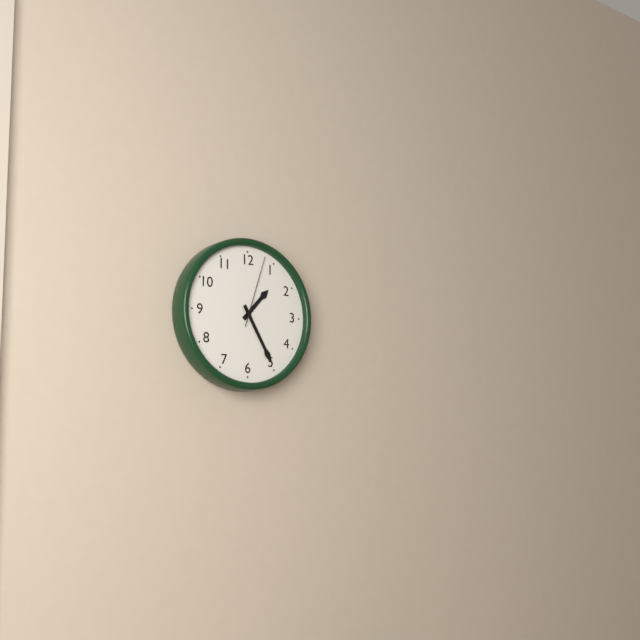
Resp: {"hour": 1, "minute": 25, "second": 3}
